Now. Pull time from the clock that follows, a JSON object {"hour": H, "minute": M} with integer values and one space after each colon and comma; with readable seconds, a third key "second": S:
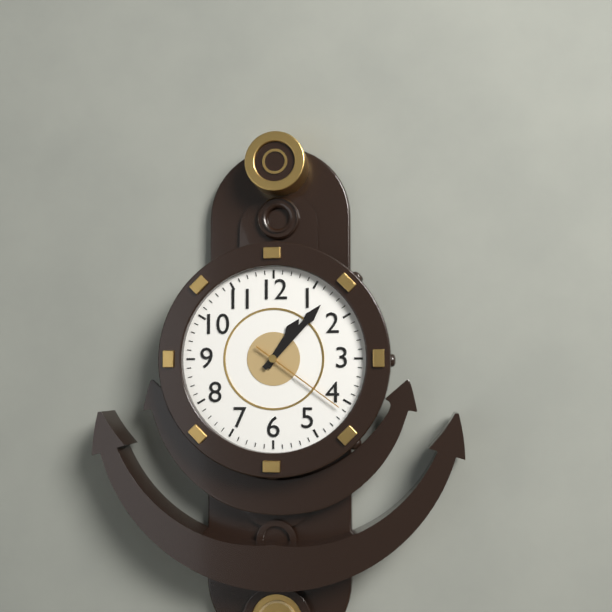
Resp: {"hour": 1, "minute": 7, "second": 21}
